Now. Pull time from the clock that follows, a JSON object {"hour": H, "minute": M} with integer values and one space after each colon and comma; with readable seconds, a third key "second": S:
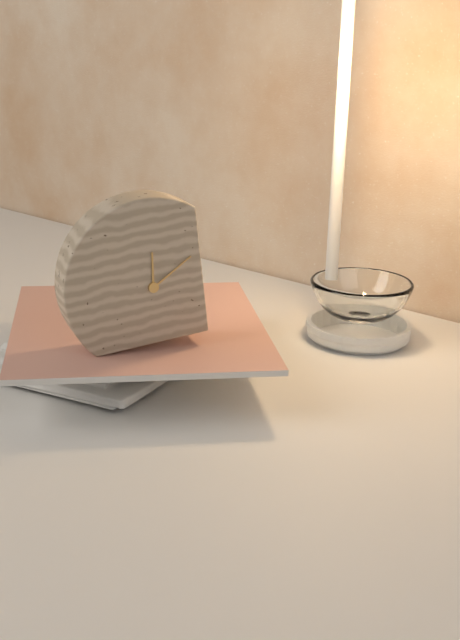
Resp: {"hour": 12, "minute": 10}
